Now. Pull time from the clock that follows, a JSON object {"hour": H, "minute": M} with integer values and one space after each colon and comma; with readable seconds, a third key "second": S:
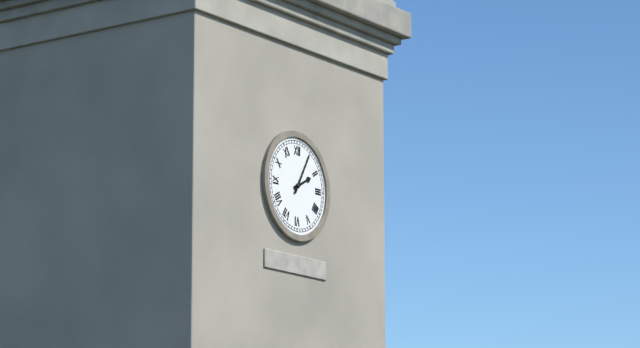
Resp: {"hour": 2, "minute": 5}
